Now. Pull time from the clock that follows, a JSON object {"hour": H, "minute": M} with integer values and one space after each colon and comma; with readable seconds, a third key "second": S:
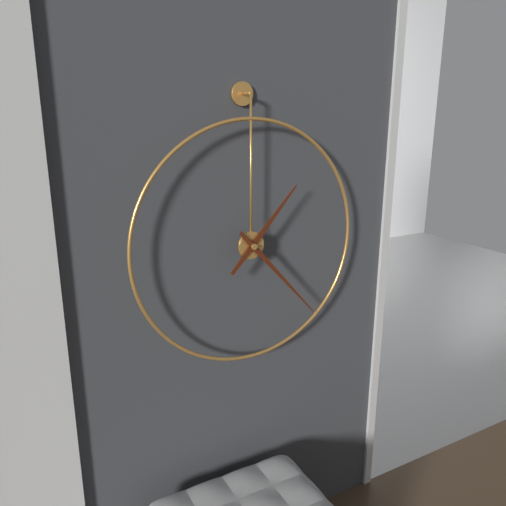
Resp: {"hour": 1, "minute": 23}
